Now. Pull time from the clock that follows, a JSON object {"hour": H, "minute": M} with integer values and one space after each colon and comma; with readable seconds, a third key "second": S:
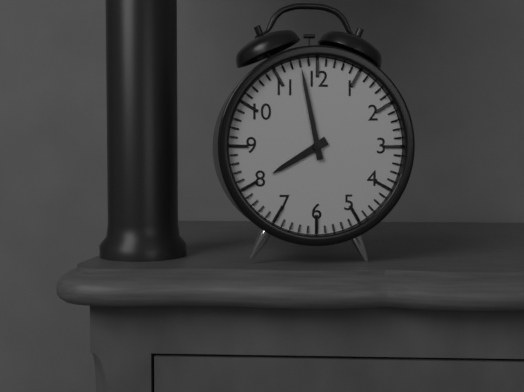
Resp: {"hour": 7, "minute": 58}
